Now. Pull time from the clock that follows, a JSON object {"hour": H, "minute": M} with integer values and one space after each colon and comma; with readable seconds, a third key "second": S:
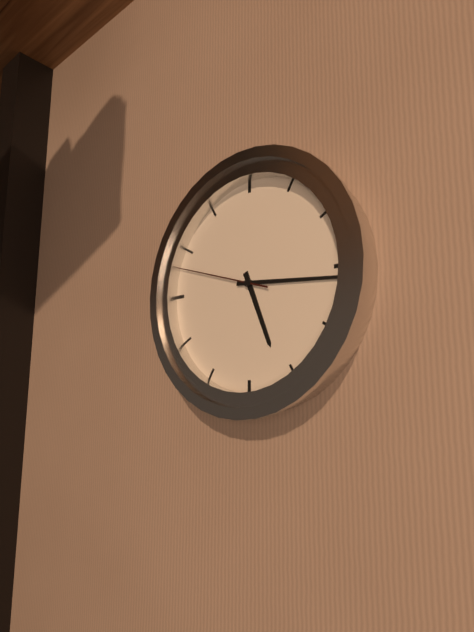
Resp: {"hour": 5, "minute": 16, "second": 48}
